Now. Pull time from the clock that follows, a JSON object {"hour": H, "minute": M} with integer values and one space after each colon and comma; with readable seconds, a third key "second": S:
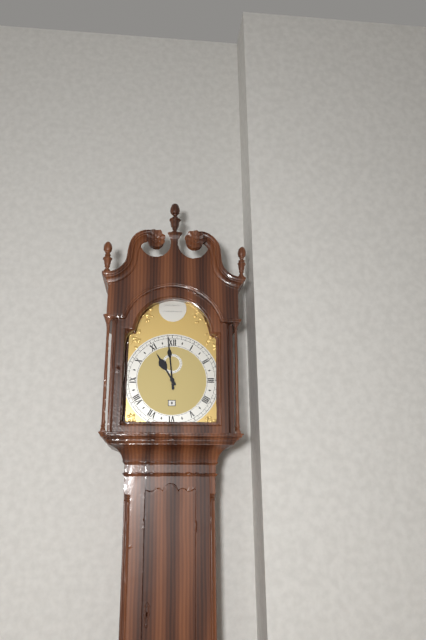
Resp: {"hour": 10, "minute": 59}
